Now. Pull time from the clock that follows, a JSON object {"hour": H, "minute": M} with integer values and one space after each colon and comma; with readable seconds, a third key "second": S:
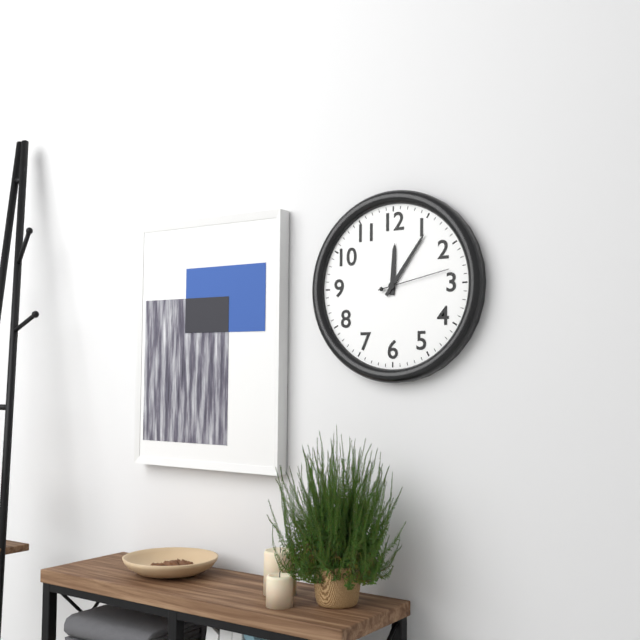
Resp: {"hour": 12, "minute": 6, "second": 13}
